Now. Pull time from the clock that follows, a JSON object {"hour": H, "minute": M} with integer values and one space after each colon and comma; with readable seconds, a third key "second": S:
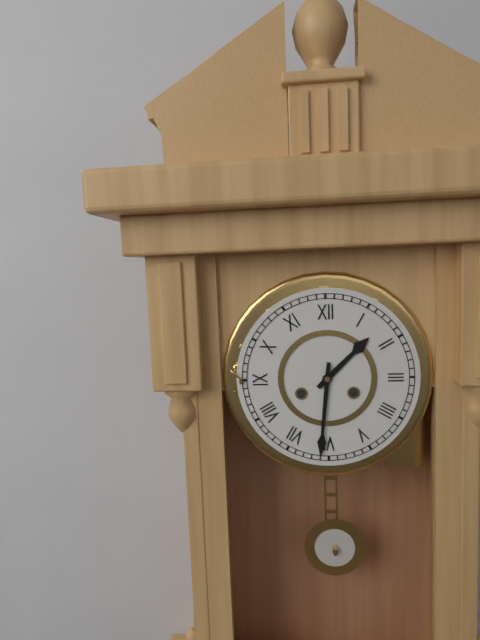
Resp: {"hour": 1, "minute": 31}
